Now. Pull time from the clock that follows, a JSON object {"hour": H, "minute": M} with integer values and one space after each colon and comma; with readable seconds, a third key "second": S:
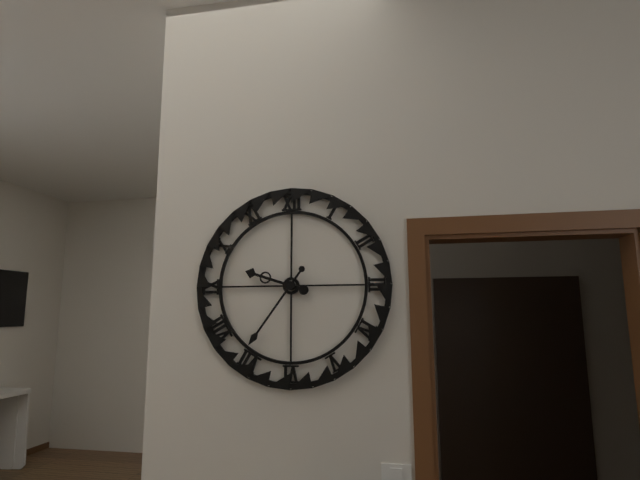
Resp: {"hour": 9, "minute": 36}
